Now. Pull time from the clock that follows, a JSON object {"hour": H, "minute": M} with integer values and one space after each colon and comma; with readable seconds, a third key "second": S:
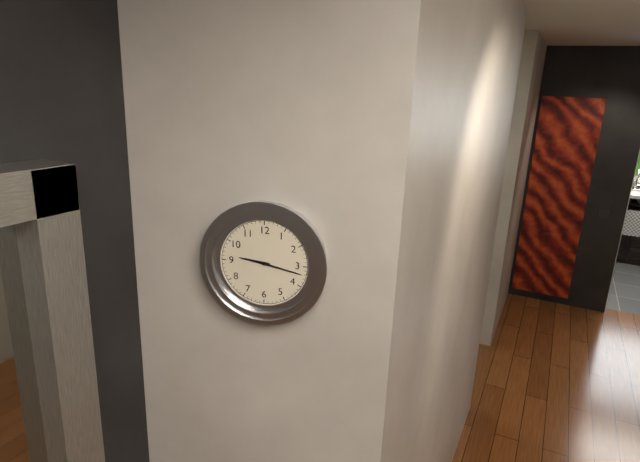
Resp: {"hour": 9, "minute": 17}
